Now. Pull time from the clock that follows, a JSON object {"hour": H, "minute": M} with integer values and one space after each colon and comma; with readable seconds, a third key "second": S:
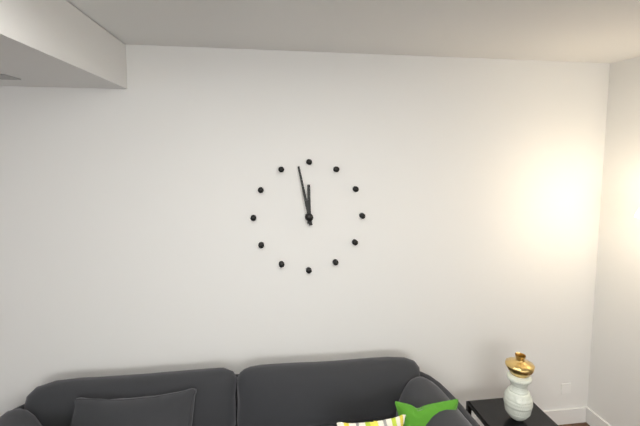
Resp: {"hour": 11, "minute": 58}
